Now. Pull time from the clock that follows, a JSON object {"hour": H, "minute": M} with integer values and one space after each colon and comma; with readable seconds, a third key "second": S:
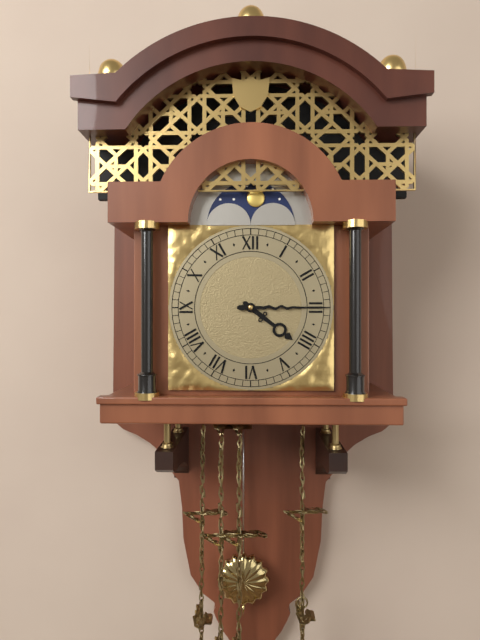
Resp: {"hour": 4, "minute": 15}
